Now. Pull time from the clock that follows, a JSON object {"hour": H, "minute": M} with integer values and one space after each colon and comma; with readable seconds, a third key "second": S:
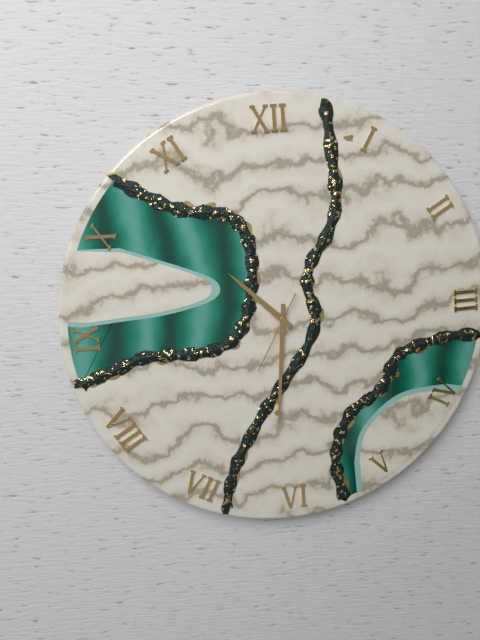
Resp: {"hour": 10, "minute": 31, "second": 35}
